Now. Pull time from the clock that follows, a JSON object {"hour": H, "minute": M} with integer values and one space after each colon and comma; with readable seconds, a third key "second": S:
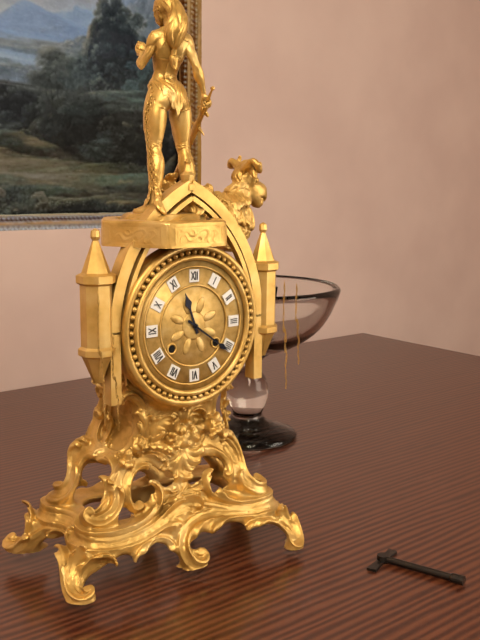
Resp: {"hour": 11, "minute": 21}
